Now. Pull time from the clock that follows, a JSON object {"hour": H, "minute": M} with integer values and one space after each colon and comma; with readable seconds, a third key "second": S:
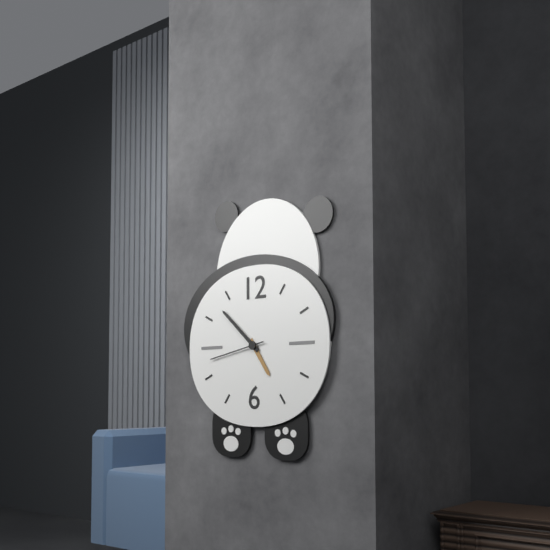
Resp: {"hour": 4, "minute": 52, "second": 43}
